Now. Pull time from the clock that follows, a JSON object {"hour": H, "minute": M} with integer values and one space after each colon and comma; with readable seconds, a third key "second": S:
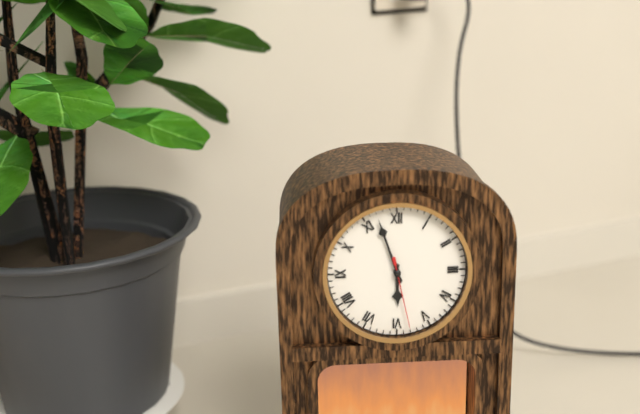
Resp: {"hour": 5, "minute": 57, "second": 28}
